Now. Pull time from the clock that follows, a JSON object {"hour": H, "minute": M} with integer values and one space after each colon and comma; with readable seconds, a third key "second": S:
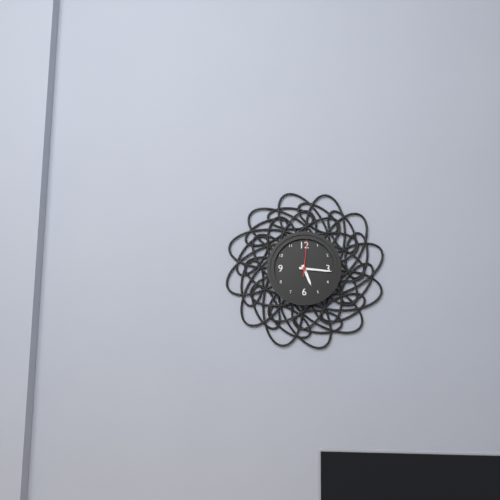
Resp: {"hour": 5, "minute": 16}
